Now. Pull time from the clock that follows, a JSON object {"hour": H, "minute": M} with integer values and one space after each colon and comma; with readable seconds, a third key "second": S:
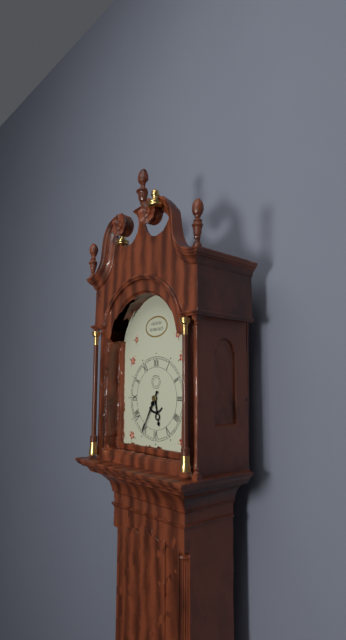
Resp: {"hour": 5, "minute": 35}
